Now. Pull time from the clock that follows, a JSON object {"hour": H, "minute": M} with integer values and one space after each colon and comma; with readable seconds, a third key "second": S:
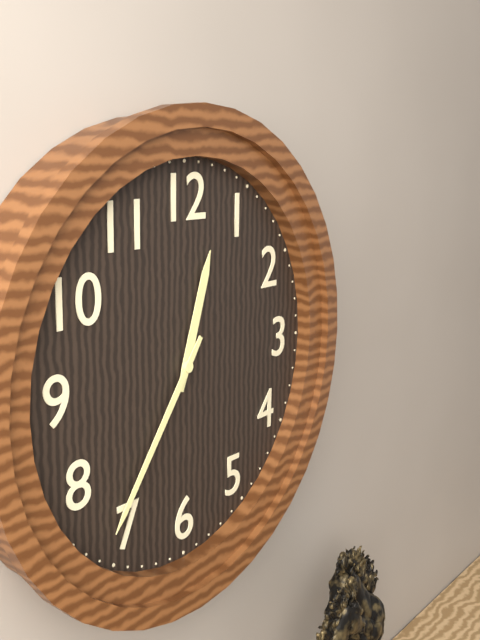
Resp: {"hour": 12, "minute": 36}
